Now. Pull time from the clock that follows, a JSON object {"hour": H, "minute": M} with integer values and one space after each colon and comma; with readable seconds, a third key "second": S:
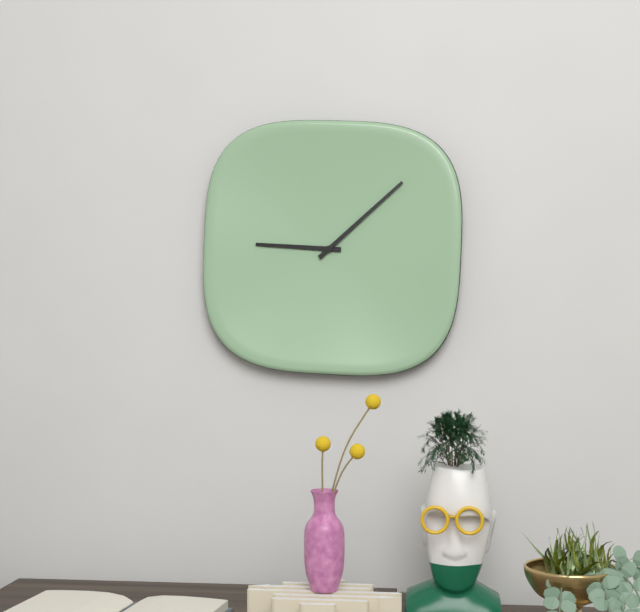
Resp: {"hour": 9, "minute": 8}
